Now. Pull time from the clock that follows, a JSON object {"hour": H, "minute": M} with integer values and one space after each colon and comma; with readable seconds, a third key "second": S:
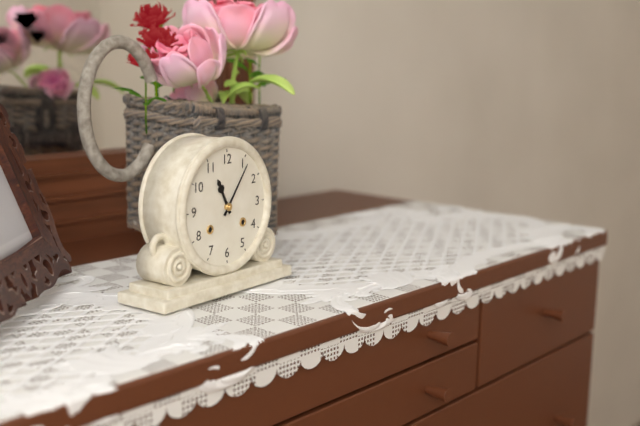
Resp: {"hour": 11, "minute": 6}
